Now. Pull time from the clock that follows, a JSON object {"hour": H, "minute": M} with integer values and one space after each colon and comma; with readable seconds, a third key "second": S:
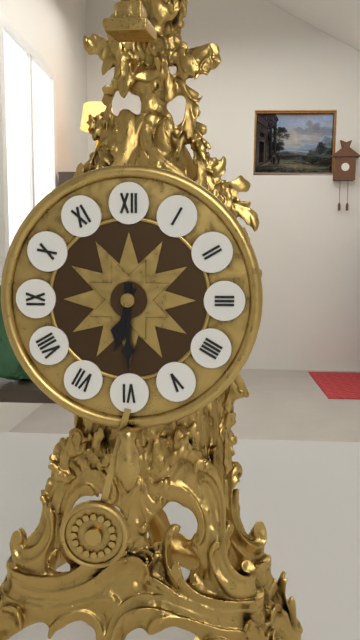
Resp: {"hour": 6, "minute": 30}
